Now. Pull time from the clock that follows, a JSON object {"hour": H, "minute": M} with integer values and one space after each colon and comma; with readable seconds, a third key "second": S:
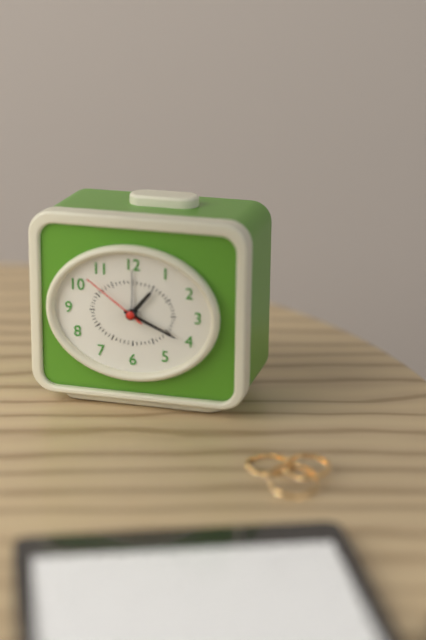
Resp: {"hour": 1, "minute": 19, "second": 51}
